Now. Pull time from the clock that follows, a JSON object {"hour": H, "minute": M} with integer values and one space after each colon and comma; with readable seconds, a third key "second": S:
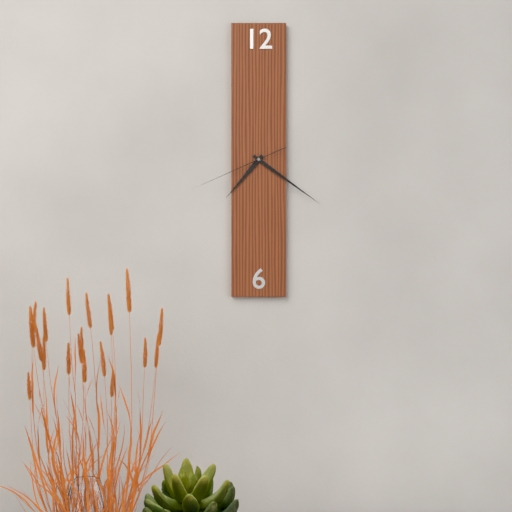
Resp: {"hour": 7, "minute": 21, "second": 41}
